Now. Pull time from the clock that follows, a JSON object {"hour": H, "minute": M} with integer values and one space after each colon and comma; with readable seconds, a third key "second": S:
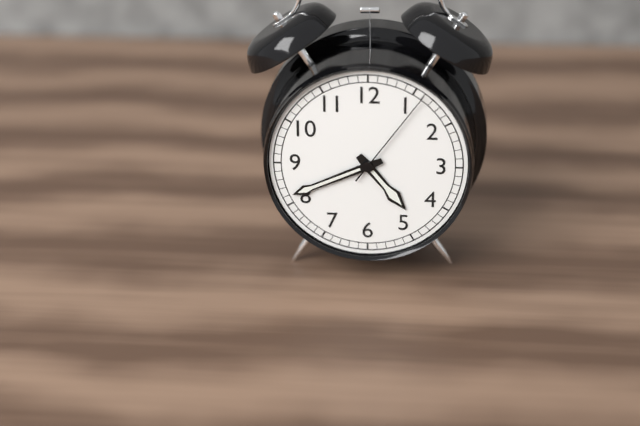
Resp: {"hour": 4, "minute": 41, "second": 6}
